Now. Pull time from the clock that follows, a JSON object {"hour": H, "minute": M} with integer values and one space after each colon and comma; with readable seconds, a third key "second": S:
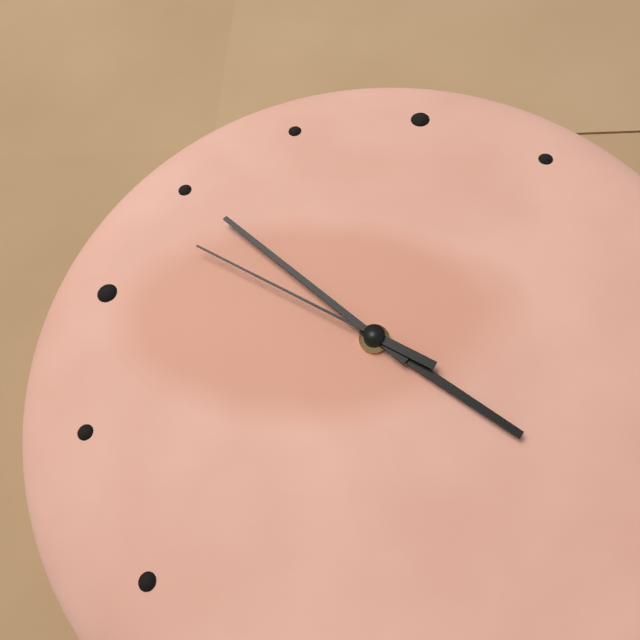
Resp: {"hour": 3, "minute": 50, "second": 48}
